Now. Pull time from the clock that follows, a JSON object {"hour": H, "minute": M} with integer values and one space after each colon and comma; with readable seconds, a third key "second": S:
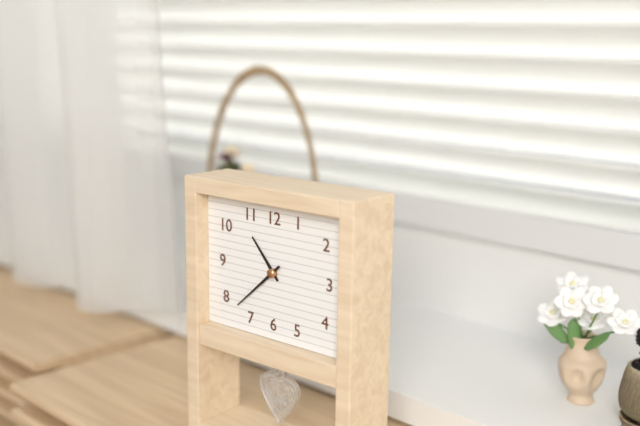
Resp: {"hour": 10, "minute": 38}
